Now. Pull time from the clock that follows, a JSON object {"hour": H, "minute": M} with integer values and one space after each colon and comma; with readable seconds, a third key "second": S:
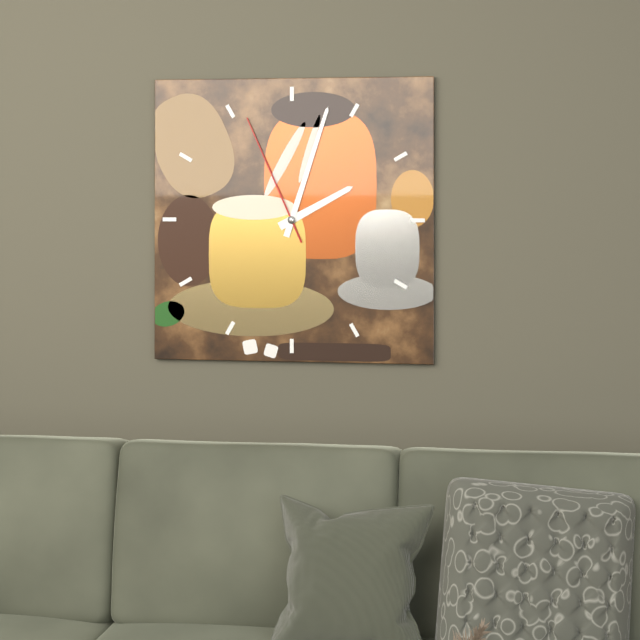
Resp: {"hour": 2, "minute": 3, "second": 56}
